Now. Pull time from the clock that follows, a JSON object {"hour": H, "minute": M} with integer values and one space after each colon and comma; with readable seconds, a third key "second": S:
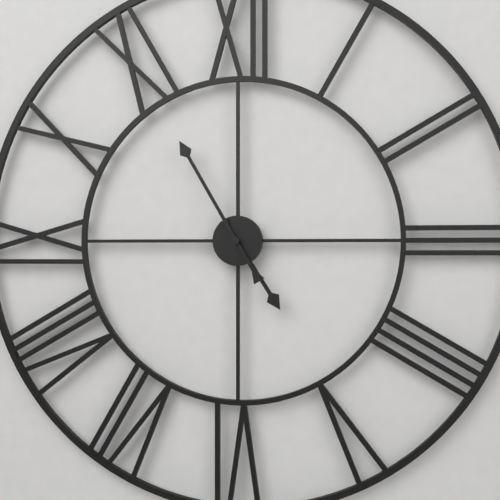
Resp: {"hour": 4, "minute": 55}
